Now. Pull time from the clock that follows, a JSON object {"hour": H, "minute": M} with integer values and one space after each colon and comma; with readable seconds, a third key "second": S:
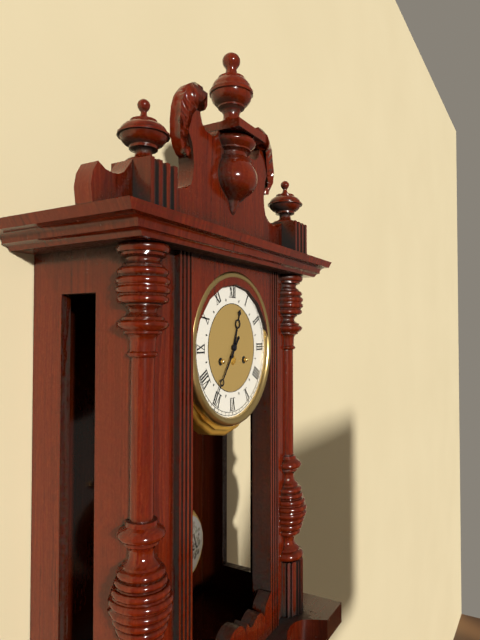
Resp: {"hour": 12, "minute": 36}
